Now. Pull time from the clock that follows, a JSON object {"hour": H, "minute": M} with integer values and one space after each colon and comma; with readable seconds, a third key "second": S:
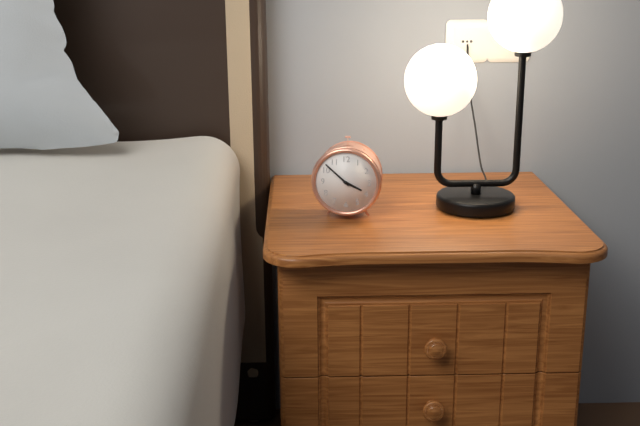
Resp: {"hour": 3, "minute": 52}
